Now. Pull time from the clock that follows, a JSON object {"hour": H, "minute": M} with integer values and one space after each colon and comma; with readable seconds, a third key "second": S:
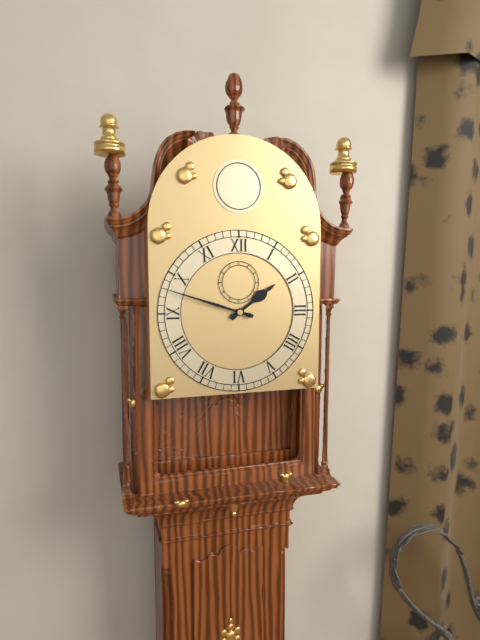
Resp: {"hour": 1, "minute": 48}
